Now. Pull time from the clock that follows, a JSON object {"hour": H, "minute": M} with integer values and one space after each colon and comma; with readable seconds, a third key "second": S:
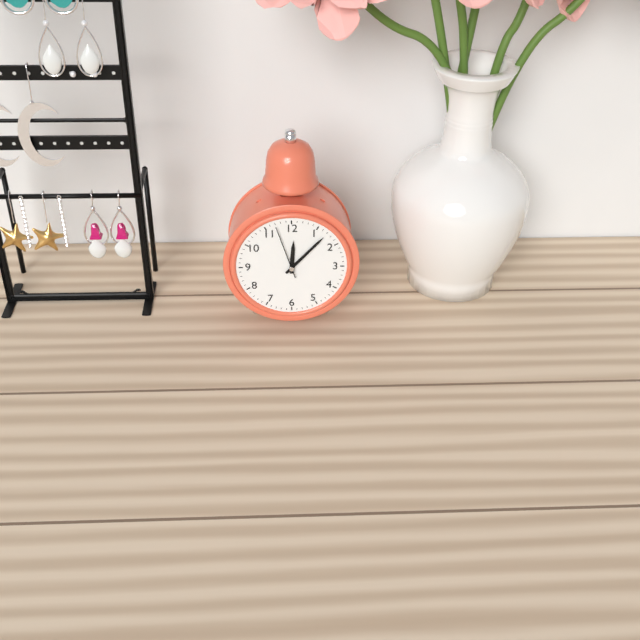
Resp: {"hour": 12, "minute": 7, "second": 57}
